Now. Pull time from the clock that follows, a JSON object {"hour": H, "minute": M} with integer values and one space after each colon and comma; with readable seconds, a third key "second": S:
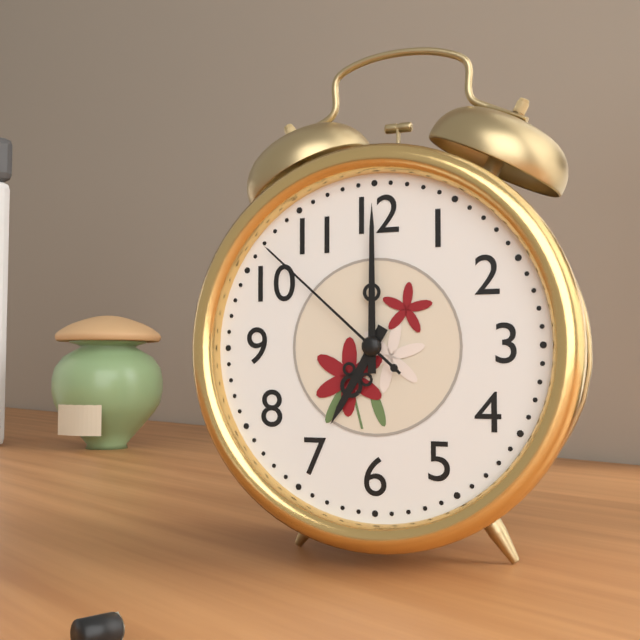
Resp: {"hour": 7, "minute": 0, "second": 52}
